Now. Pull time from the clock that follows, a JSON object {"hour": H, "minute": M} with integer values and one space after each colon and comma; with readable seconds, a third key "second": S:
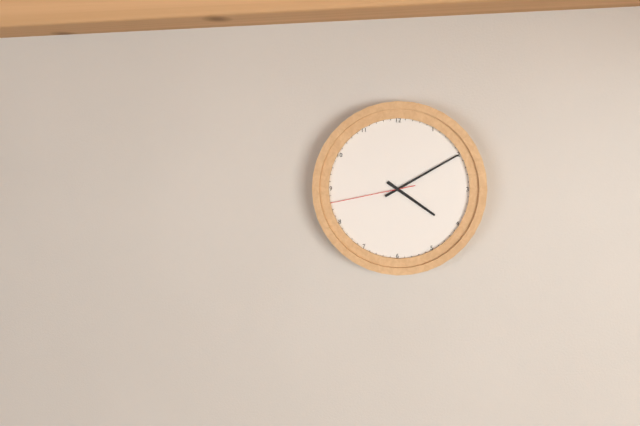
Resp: {"hour": 4, "minute": 10, "second": 43}
